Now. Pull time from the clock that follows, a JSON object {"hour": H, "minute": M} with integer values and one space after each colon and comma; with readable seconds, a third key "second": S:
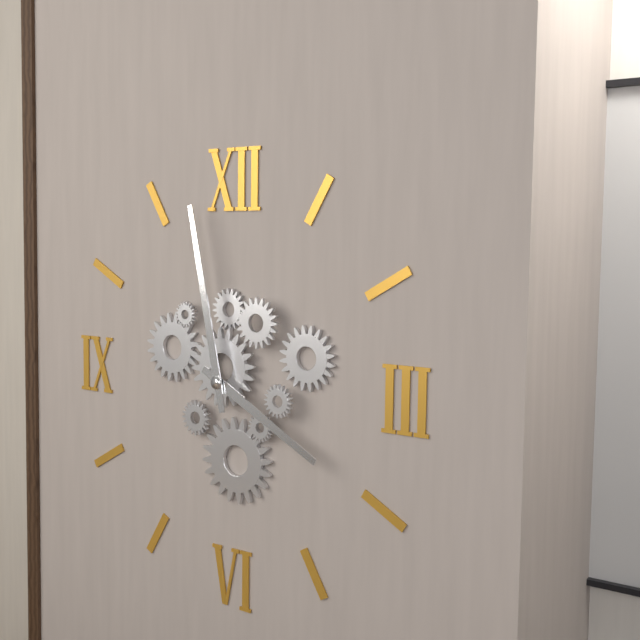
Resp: {"hour": 3, "minute": 58}
